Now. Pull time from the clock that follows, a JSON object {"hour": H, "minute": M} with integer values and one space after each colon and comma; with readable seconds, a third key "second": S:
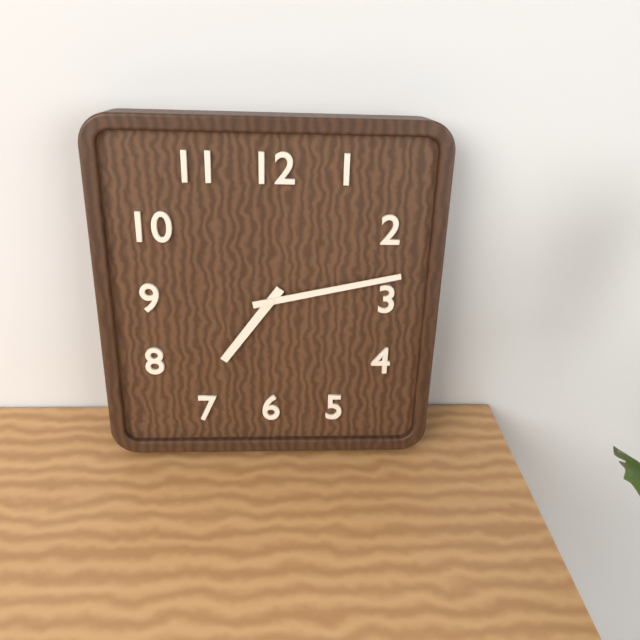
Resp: {"hour": 7, "minute": 13}
